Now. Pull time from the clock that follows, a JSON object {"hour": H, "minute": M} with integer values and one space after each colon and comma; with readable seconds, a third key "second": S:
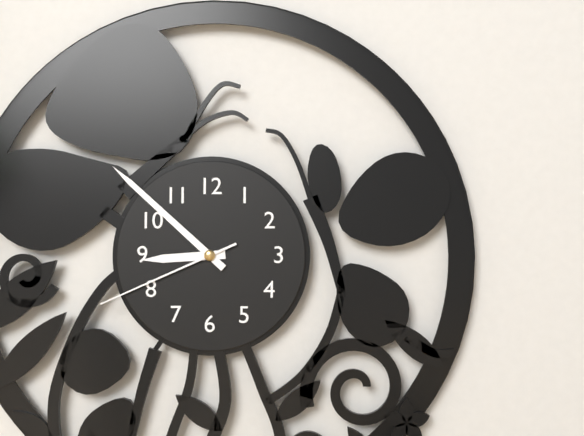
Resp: {"hour": 8, "minute": 52, "second": 41}
